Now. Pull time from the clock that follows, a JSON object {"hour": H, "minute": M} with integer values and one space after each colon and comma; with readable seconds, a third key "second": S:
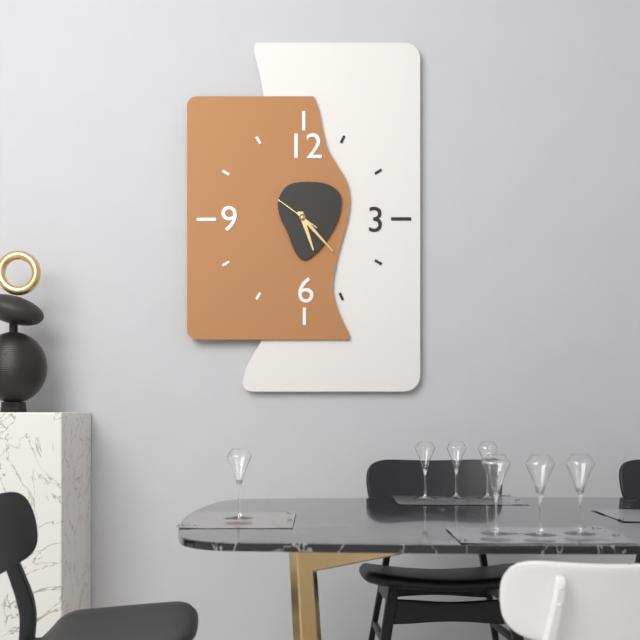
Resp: {"hour": 5, "minute": 23}
